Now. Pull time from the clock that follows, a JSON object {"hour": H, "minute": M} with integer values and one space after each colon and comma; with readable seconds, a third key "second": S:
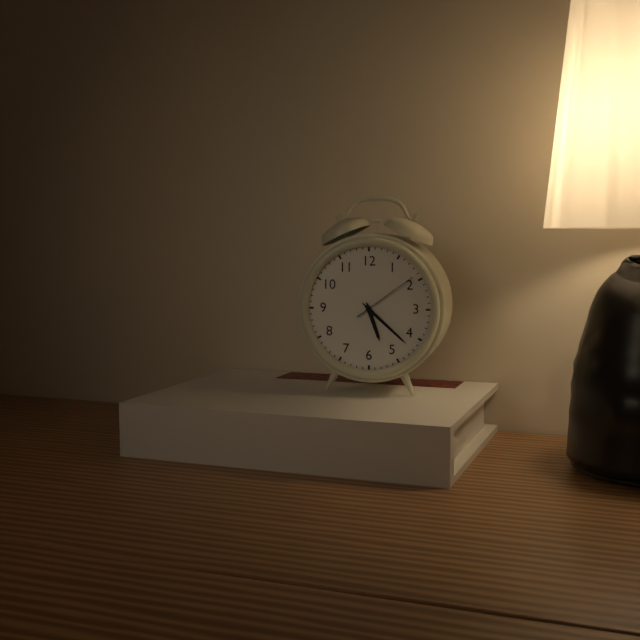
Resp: {"hour": 5, "minute": 22, "second": 9}
